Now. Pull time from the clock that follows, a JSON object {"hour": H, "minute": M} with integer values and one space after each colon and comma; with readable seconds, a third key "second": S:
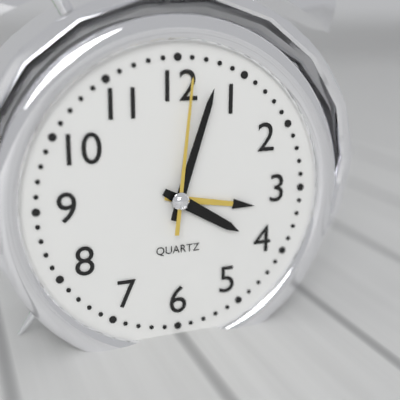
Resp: {"hour": 4, "minute": 3, "second": 1}
